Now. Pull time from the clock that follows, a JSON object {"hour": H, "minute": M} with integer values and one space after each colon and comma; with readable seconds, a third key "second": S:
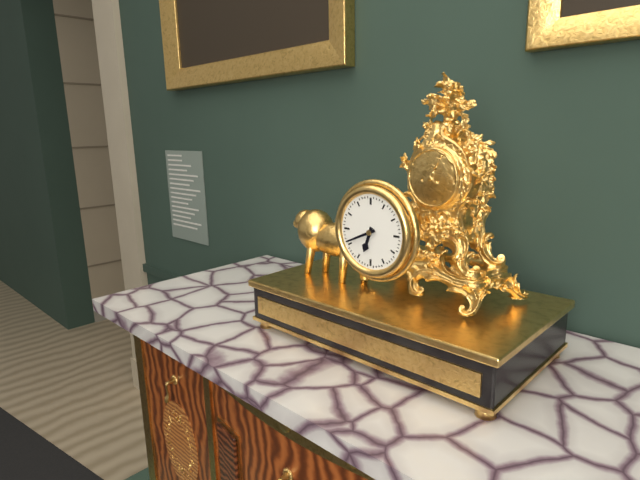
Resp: {"hour": 6, "minute": 41}
